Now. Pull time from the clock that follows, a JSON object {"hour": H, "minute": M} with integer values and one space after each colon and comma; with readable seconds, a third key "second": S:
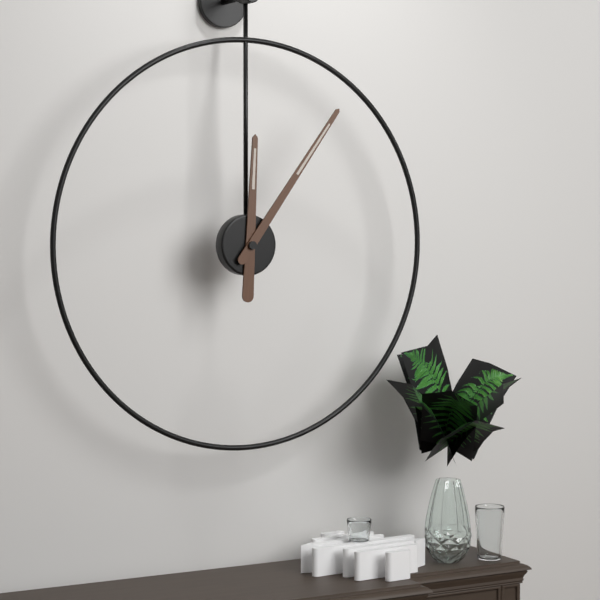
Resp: {"hour": 12, "minute": 6}
